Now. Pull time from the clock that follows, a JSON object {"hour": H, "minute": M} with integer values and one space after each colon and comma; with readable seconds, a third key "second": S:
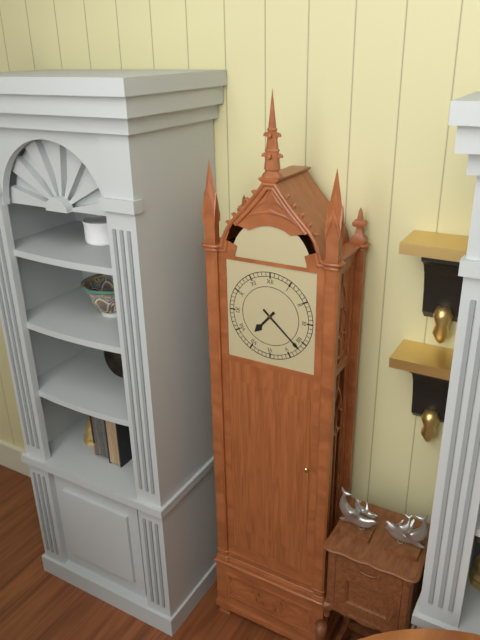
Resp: {"hour": 7, "minute": 22}
